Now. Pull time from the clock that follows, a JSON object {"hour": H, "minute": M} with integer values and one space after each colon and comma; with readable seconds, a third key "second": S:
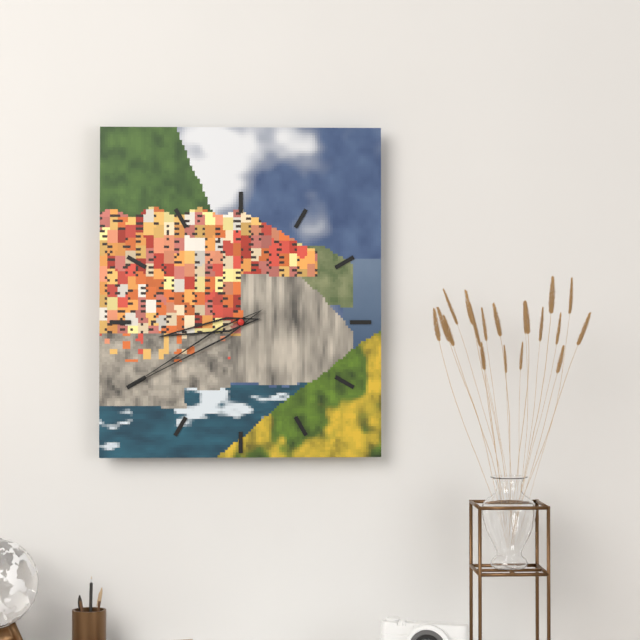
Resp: {"hour": 8, "minute": 40}
